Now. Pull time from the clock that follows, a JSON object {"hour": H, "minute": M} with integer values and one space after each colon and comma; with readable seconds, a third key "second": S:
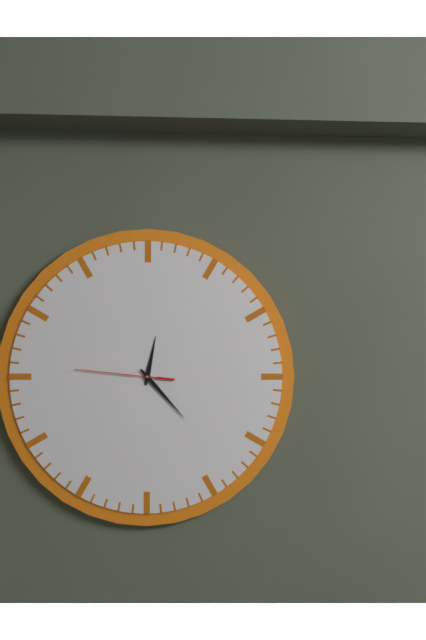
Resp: {"hour": 12, "minute": 23, "second": 46}
